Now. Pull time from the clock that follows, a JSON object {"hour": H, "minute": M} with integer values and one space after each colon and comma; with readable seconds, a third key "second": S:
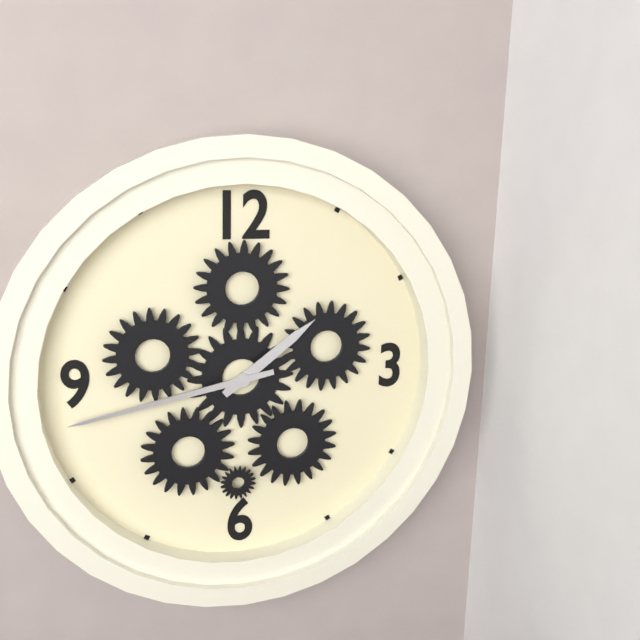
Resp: {"hour": 1, "minute": 43}
